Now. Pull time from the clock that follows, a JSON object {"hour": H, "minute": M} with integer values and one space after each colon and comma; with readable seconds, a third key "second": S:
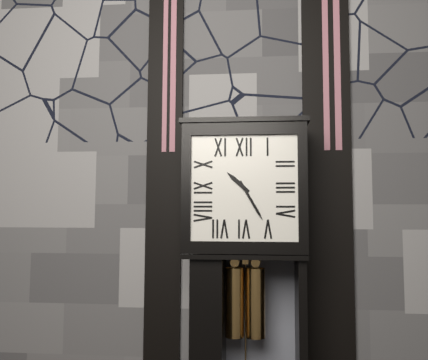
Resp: {"hour": 10, "minute": 25}
